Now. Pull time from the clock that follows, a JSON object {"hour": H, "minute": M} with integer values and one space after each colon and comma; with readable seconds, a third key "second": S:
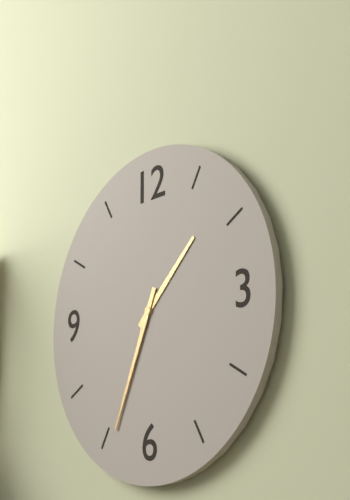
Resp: {"hour": 1, "minute": 34}
